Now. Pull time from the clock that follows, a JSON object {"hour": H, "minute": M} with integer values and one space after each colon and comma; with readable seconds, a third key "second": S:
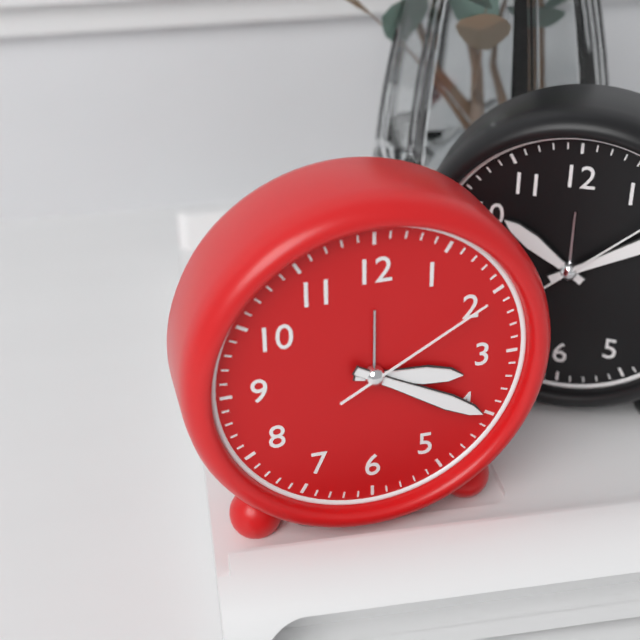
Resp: {"hour": 3, "minute": 20, "second": 10}
